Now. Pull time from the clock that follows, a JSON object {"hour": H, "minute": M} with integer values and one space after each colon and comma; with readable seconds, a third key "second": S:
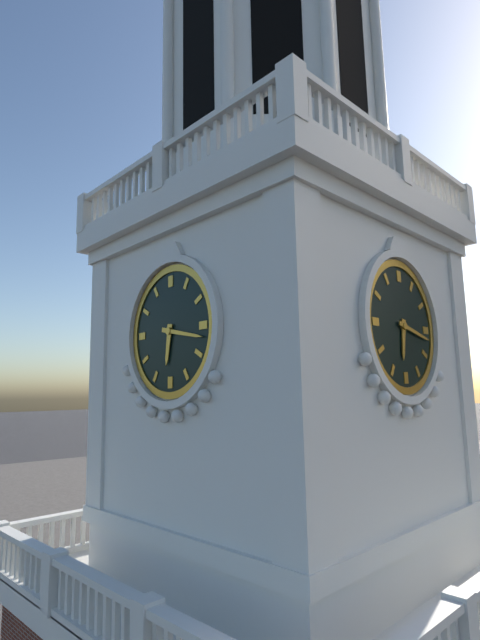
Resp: {"hour": 6, "minute": 17}
